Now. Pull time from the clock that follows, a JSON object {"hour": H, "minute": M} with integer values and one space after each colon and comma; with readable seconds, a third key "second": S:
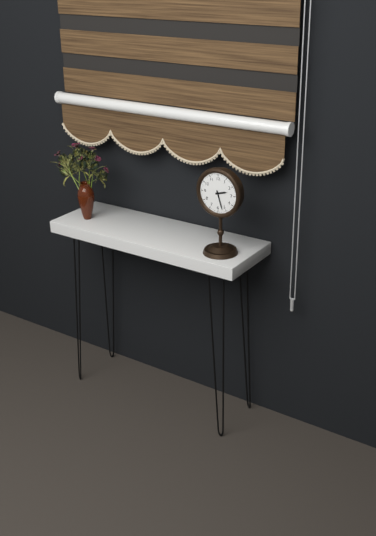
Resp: {"hour": 2, "minute": 27}
